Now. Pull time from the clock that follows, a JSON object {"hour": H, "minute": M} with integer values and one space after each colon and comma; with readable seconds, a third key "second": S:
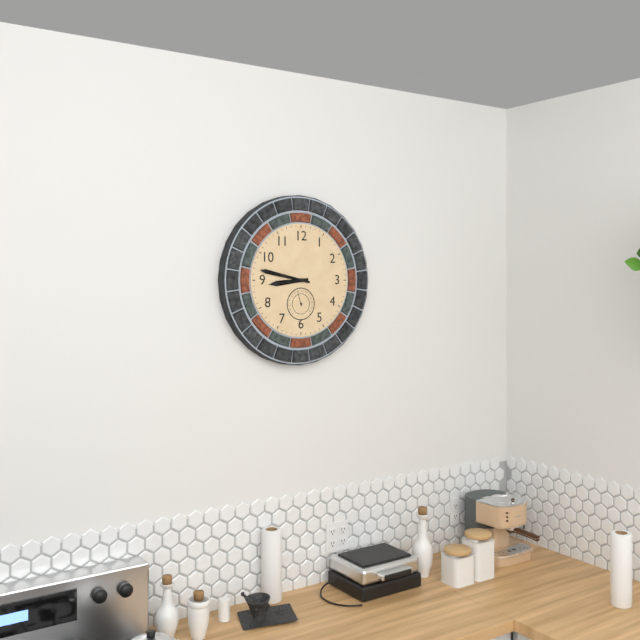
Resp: {"hour": 8, "minute": 47}
